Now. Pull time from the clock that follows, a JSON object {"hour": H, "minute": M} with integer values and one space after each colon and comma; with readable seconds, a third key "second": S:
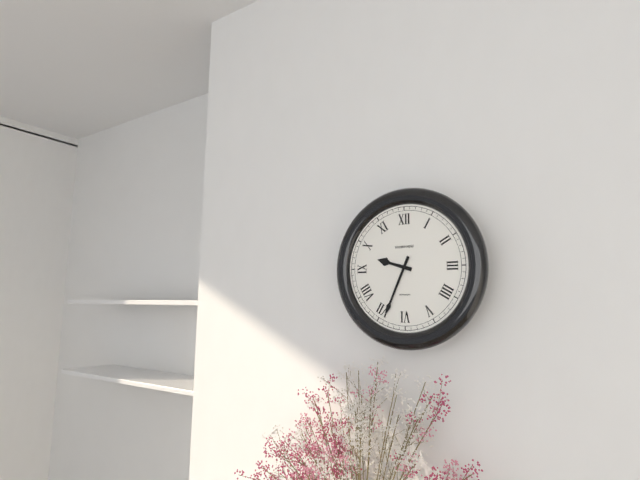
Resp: {"hour": 9, "minute": 34}
